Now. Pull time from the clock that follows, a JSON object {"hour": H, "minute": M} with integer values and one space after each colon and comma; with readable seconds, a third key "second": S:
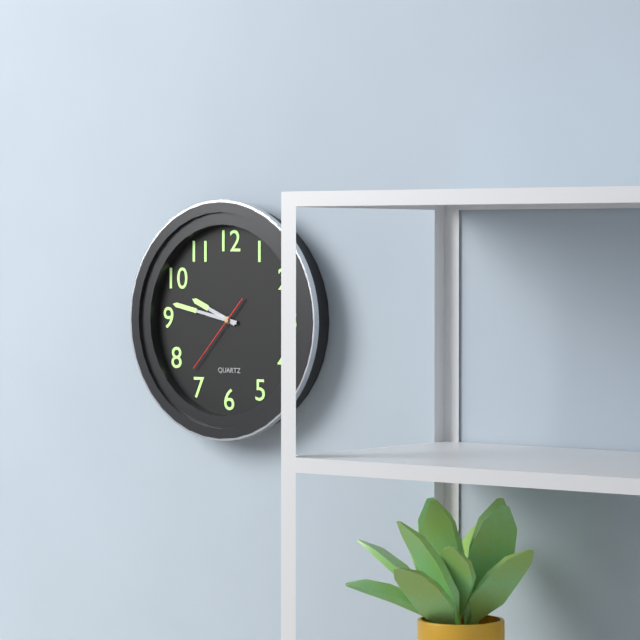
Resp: {"hour": 9, "minute": 47, "second": 37}
